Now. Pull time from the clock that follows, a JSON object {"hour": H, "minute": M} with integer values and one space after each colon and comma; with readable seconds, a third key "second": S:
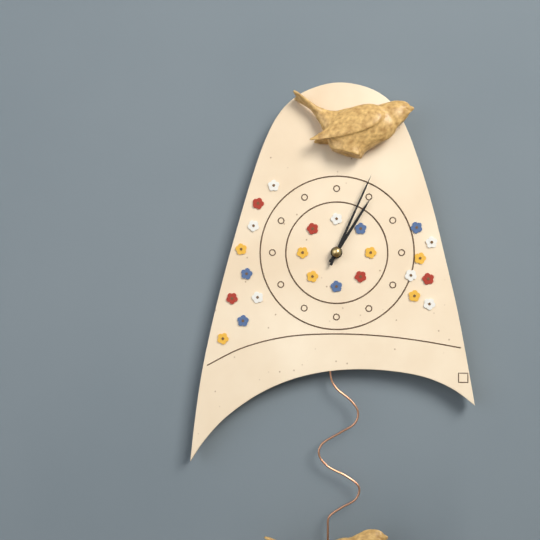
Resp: {"hour": 1, "minute": 4}
